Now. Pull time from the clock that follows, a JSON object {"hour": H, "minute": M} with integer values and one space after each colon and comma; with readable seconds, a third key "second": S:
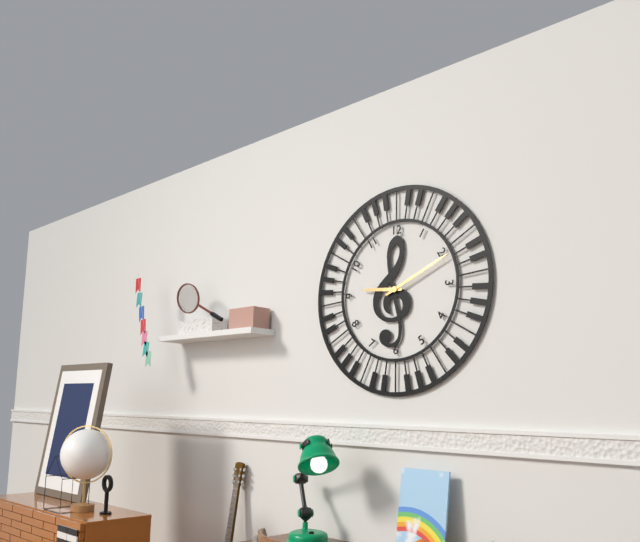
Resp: {"hour": 9, "minute": 11}
